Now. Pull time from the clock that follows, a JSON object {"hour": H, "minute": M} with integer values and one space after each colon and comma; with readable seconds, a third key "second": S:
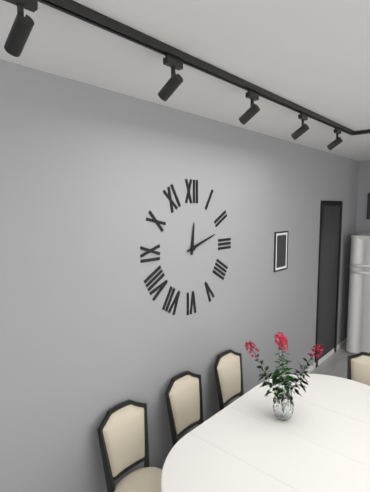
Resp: {"hour": 12, "minute": 12}
